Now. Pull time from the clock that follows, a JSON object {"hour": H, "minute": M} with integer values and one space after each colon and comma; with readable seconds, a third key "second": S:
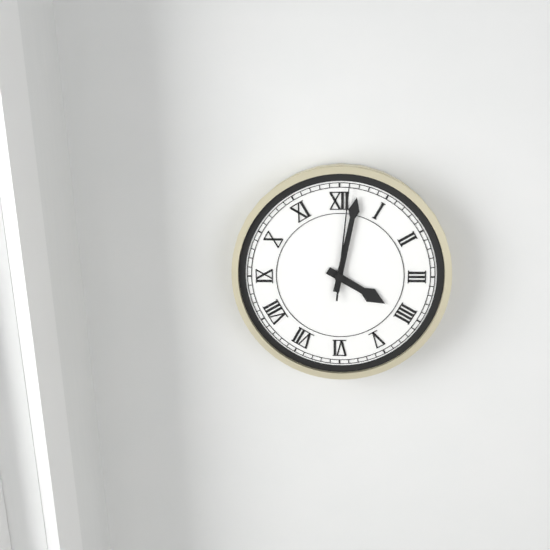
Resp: {"hour": 4, "minute": 2, "second": 1}
